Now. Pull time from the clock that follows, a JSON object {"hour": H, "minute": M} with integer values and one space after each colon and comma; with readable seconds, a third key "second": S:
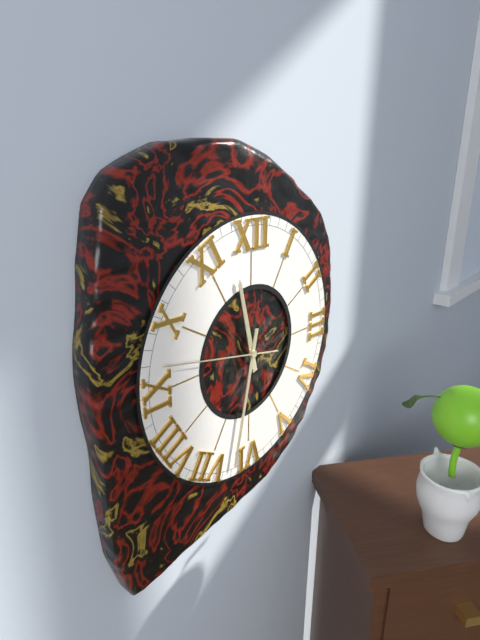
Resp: {"hour": 11, "minute": 32, "second": 47}
